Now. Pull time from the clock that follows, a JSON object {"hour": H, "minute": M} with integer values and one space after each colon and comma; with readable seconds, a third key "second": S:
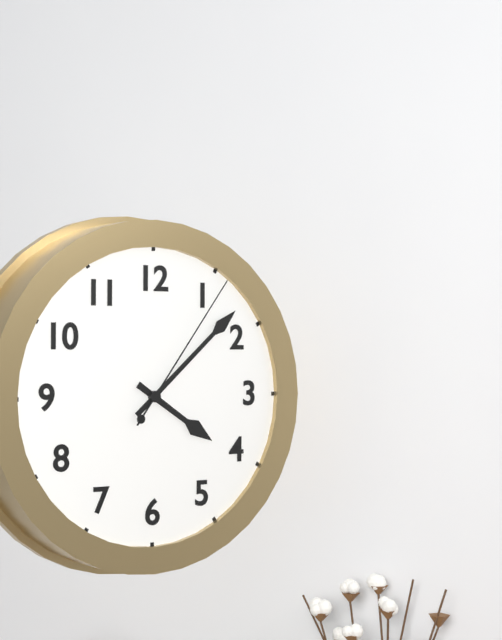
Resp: {"hour": 4, "minute": 8, "second": 6}
